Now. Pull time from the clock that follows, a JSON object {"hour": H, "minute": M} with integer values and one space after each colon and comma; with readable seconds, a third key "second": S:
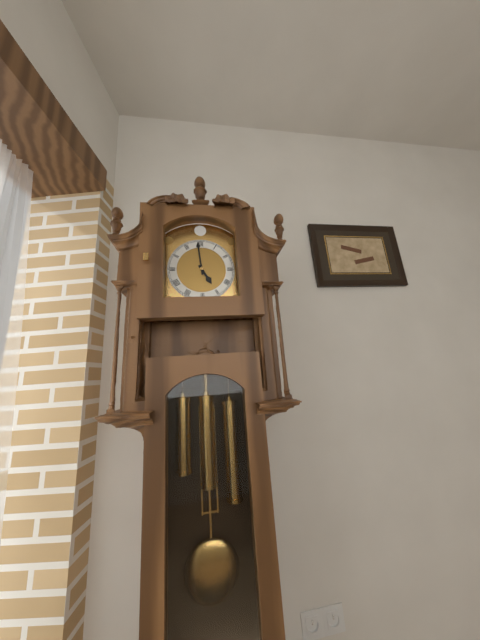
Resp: {"hour": 4, "minute": 59}
